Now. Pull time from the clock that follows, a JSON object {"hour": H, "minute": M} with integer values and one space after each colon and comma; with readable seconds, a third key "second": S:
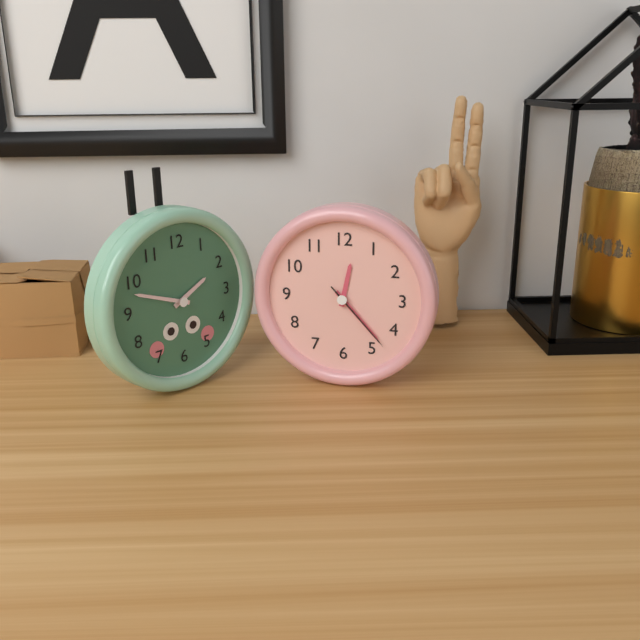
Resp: {"hour": 12, "minute": 23, "second": 23}
